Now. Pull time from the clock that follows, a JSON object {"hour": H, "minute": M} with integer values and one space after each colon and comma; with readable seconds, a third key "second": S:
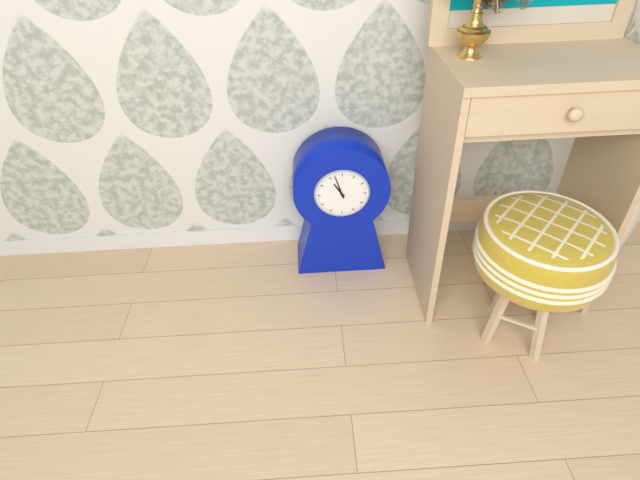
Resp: {"hour": 10, "minute": 57}
